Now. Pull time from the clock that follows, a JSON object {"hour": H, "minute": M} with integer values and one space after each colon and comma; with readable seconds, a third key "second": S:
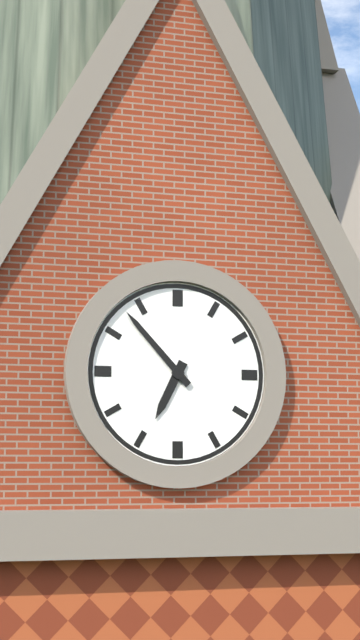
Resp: {"hour": 6, "minute": 53}
